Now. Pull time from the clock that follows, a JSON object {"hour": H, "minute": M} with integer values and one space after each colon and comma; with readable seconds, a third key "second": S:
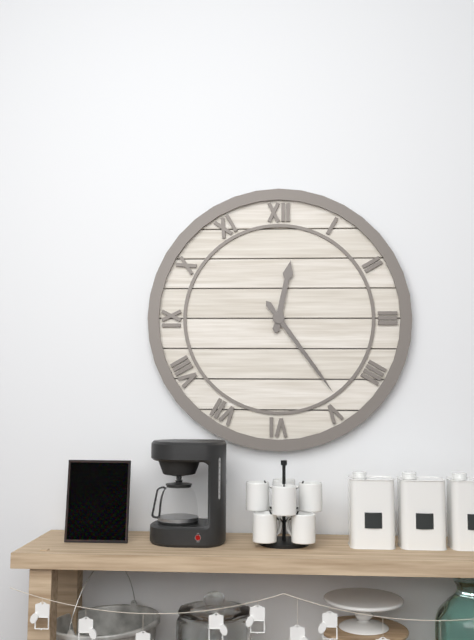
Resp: {"hour": 12, "minute": 24}
